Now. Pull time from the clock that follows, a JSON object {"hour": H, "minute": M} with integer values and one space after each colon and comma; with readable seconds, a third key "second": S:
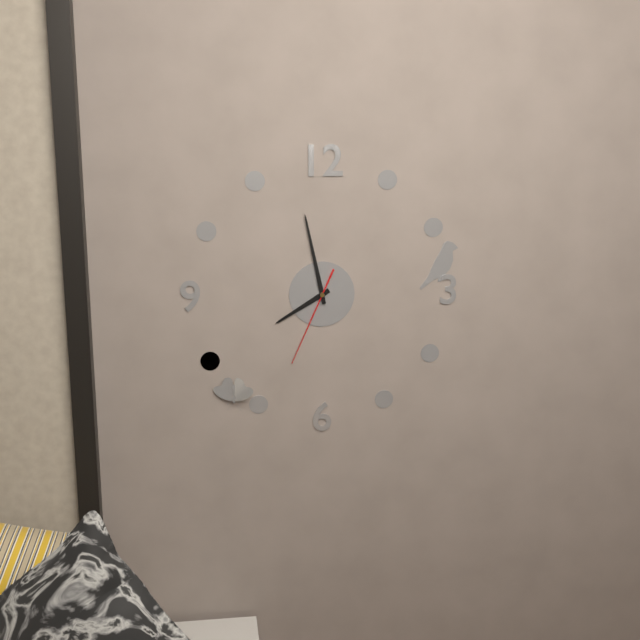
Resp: {"hour": 7, "minute": 58, "second": 34}
